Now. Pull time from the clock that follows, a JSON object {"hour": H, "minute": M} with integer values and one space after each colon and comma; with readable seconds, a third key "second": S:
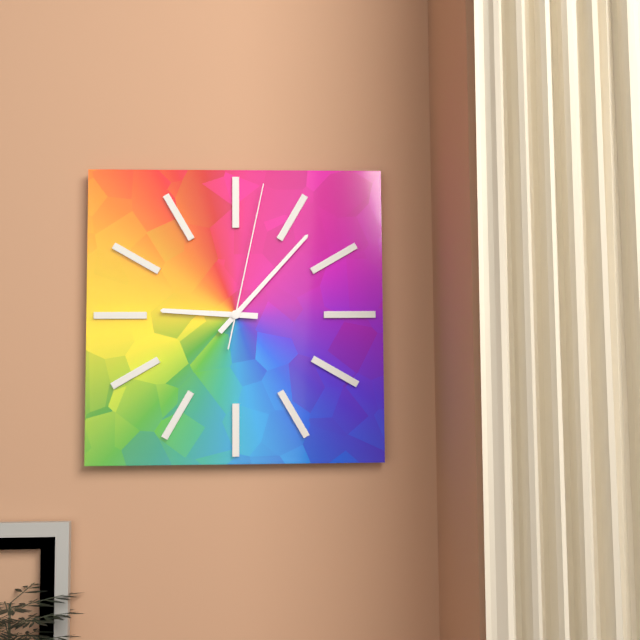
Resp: {"hour": 9, "minute": 7, "second": 2}
